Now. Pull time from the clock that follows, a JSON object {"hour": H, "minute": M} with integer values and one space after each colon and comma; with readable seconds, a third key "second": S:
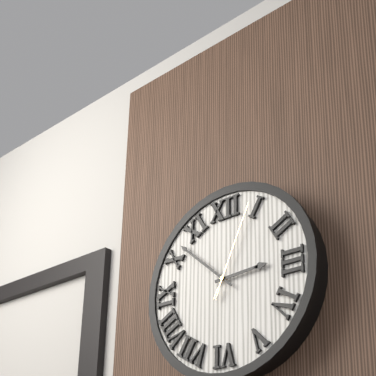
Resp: {"hour": 2, "minute": 52, "second": 4}
